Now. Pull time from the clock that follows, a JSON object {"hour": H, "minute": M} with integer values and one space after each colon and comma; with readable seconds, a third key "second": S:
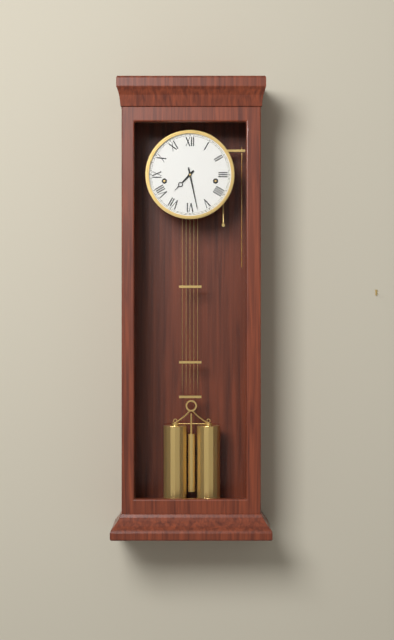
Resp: {"hour": 7, "minute": 28}
